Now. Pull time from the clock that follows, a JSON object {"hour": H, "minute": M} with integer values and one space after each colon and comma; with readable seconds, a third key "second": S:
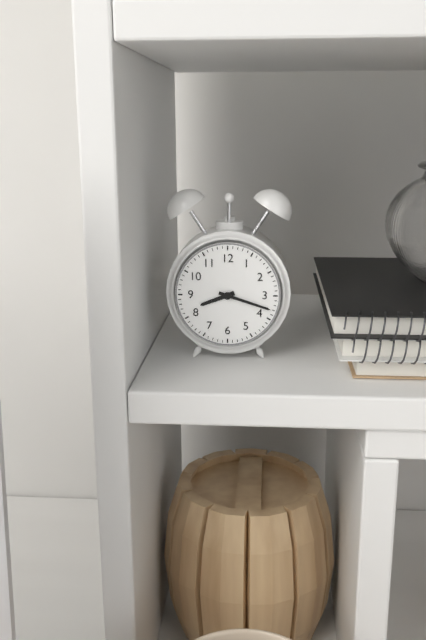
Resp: {"hour": 8, "minute": 18}
